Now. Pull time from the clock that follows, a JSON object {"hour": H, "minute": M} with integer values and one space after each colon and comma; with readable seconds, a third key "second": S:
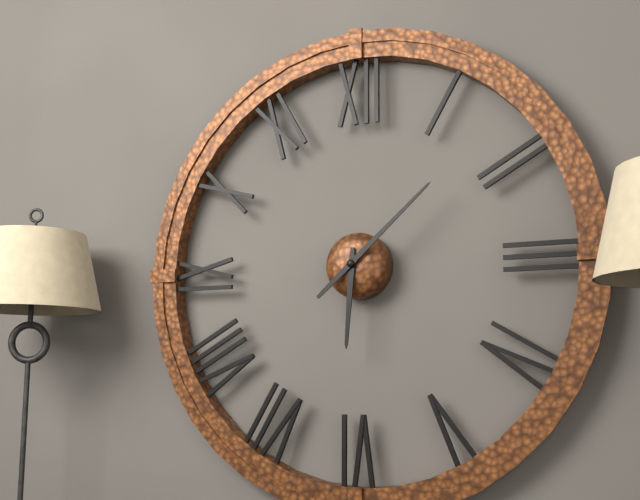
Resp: {"hour": 6, "minute": 8}
